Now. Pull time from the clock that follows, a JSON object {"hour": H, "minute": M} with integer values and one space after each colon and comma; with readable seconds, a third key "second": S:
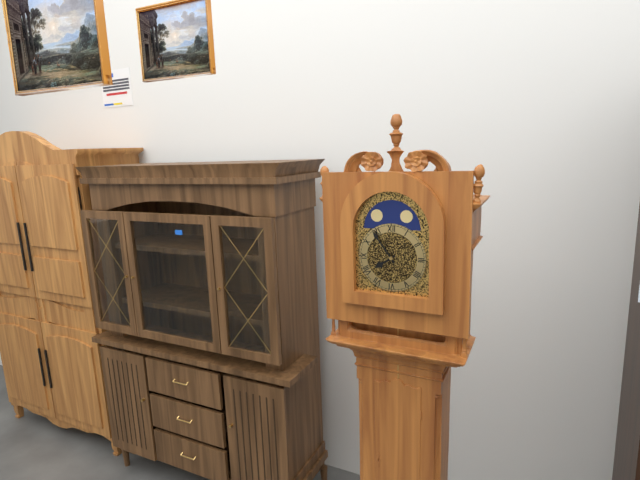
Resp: {"hour": 7, "minute": 54}
